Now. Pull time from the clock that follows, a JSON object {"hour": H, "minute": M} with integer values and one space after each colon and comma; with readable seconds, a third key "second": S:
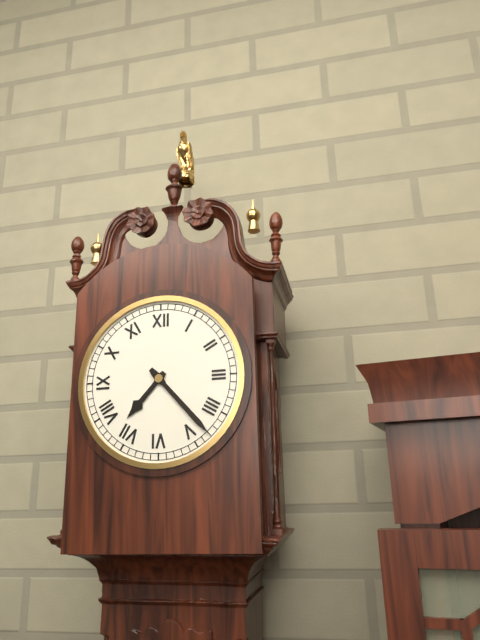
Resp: {"hour": 7, "minute": 23}
